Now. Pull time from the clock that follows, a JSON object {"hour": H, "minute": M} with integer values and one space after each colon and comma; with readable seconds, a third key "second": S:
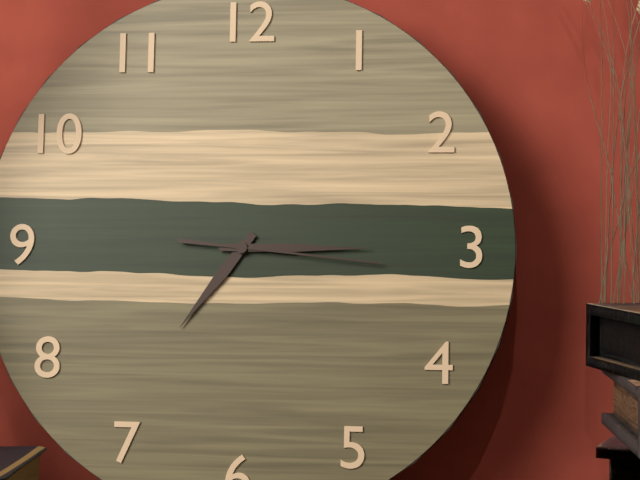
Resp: {"hour": 7, "minute": 15, "second": 16}
